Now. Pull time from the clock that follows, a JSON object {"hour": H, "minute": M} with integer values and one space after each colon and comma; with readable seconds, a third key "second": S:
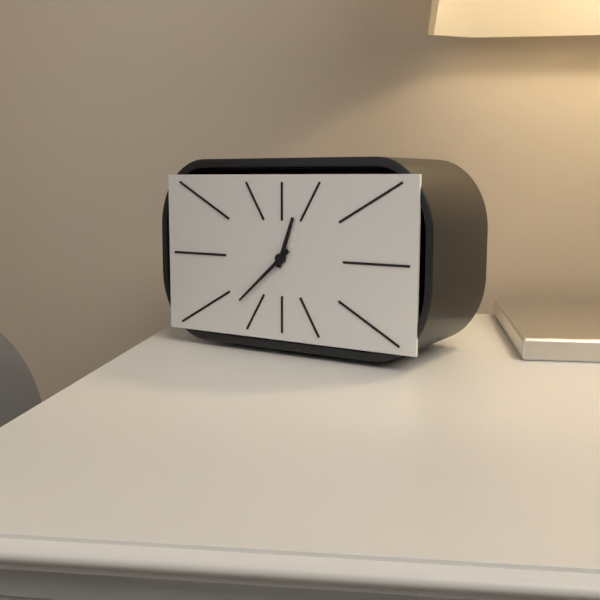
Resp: {"hour": 12, "minute": 38}
